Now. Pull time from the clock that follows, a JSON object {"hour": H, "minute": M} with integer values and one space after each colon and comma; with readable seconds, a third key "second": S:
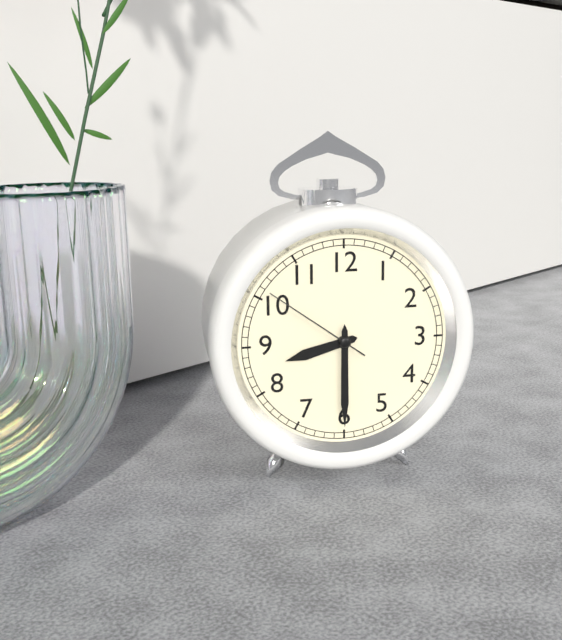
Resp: {"hour": 8, "minute": 30, "second": 51}
